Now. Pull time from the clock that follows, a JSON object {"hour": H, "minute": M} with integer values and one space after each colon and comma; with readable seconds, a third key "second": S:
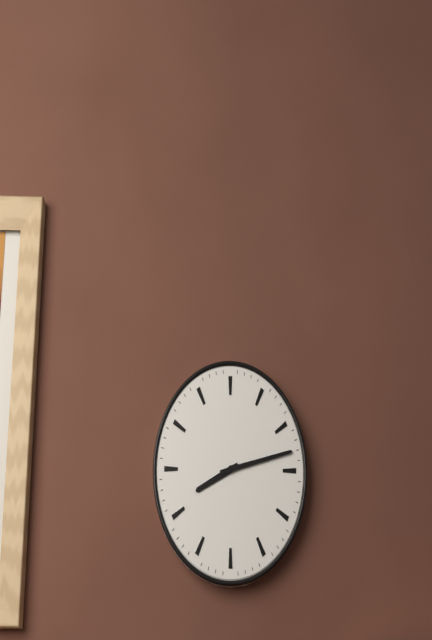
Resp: {"hour": 8, "minute": 13}
